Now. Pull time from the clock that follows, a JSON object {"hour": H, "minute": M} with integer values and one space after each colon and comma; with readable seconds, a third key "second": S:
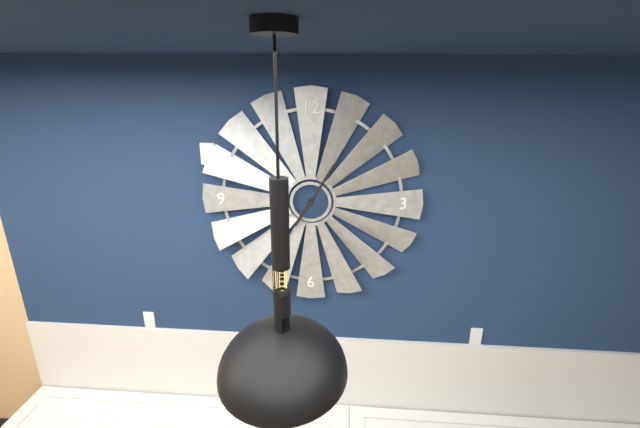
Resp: {"hour": 7, "minute": 5}
